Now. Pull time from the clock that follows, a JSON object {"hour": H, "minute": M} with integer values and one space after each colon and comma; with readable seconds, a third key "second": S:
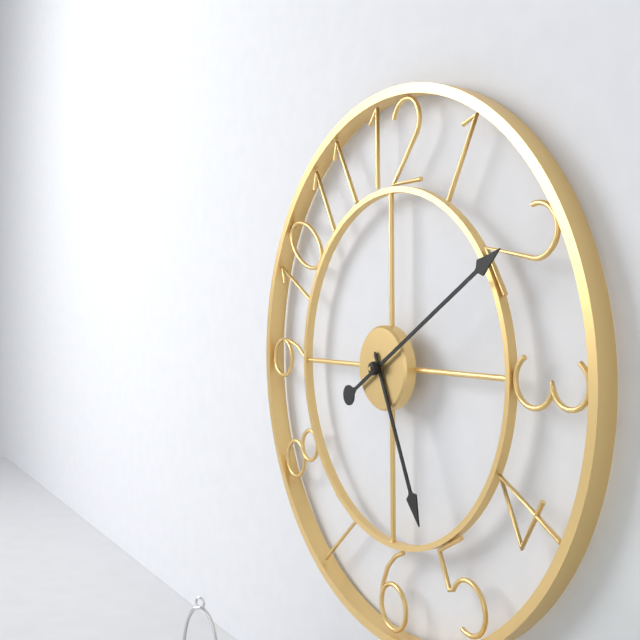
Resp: {"hour": 5, "minute": 10}
